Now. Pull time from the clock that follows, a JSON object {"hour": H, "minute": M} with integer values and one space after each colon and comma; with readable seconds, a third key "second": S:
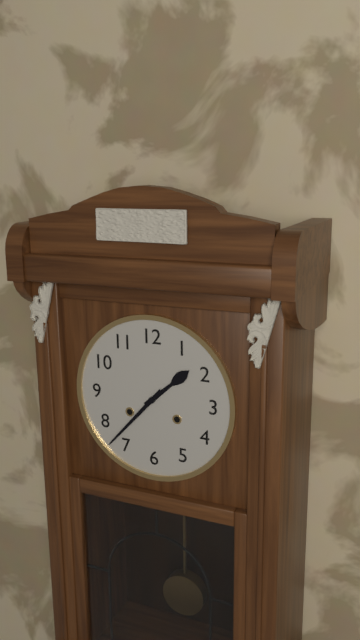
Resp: {"hour": 1, "minute": 37}
